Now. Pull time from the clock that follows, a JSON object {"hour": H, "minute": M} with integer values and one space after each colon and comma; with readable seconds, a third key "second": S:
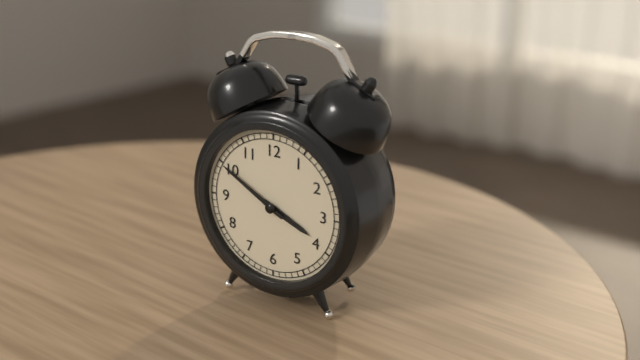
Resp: {"hour": 3, "minute": 50}
